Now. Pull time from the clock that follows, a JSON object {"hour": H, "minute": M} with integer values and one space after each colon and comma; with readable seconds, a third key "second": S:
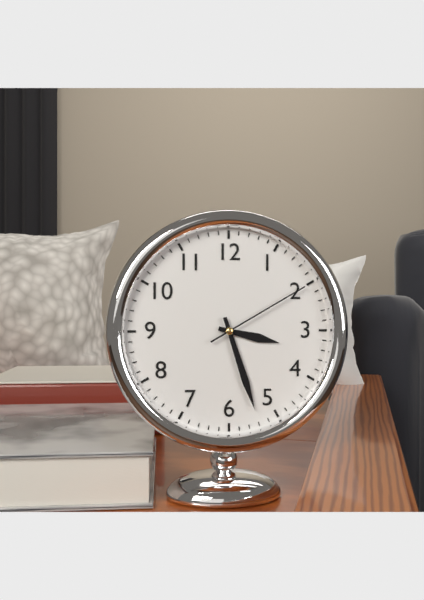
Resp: {"hour": 3, "minute": 27, "second": 10}
